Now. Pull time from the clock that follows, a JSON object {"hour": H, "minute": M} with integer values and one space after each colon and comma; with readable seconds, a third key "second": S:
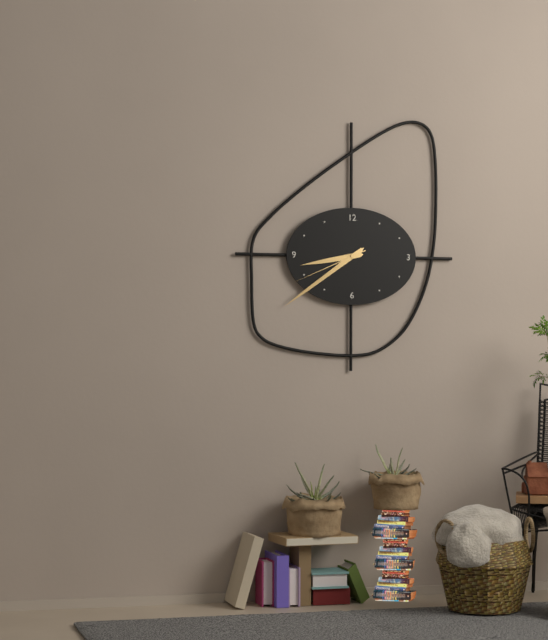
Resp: {"hour": 8, "minute": 39, "second": 41}
